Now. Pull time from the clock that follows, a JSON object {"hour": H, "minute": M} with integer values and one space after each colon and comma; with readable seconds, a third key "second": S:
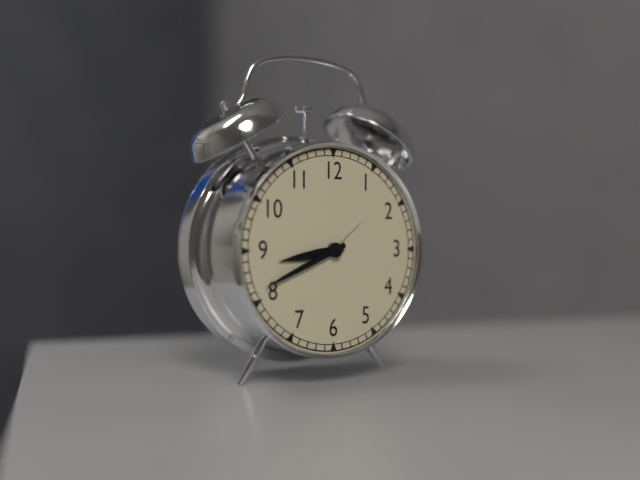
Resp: {"hour": 8, "minute": 41}
